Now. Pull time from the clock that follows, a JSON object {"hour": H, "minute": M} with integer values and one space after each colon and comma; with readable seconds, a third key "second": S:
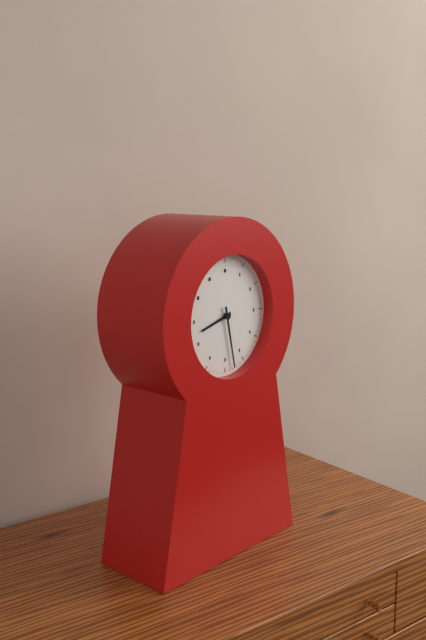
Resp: {"hour": 8, "minute": 28}
